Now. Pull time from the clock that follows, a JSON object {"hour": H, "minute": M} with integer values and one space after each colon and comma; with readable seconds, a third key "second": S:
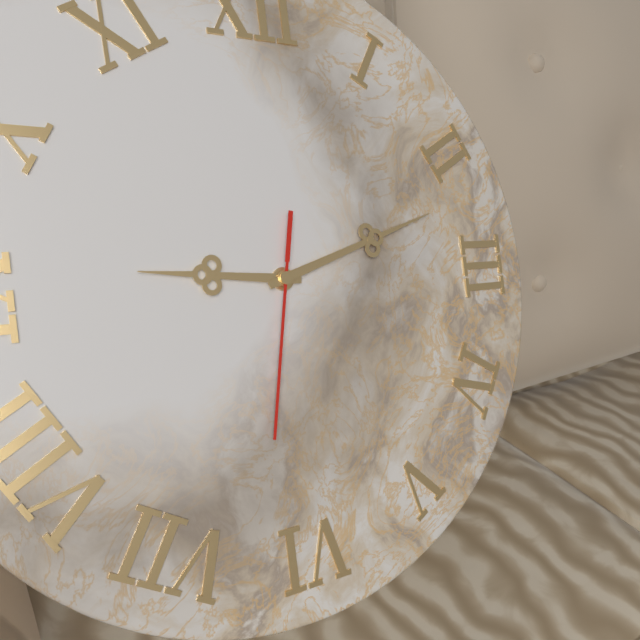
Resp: {"hour": 9, "minute": 12, "second": 32}
